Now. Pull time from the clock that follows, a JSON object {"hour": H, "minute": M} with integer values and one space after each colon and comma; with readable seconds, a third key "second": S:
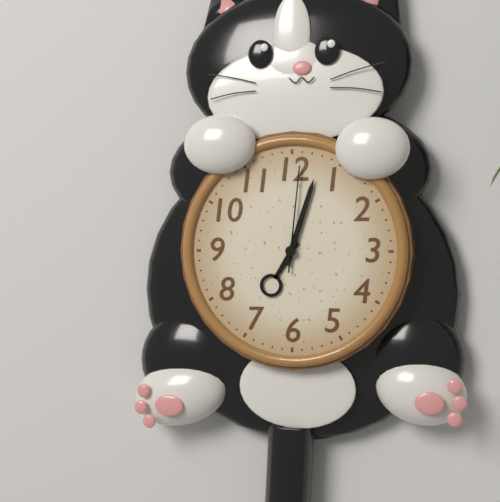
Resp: {"hour": 7, "minute": 3, "second": 1}
